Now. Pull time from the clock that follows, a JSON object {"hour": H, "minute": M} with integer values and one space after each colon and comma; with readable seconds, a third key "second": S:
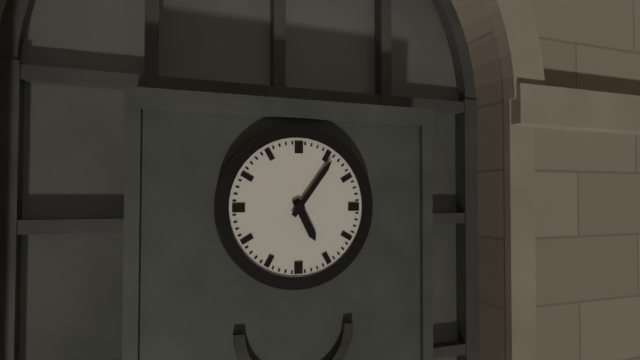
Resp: {"hour": 5, "minute": 6}
